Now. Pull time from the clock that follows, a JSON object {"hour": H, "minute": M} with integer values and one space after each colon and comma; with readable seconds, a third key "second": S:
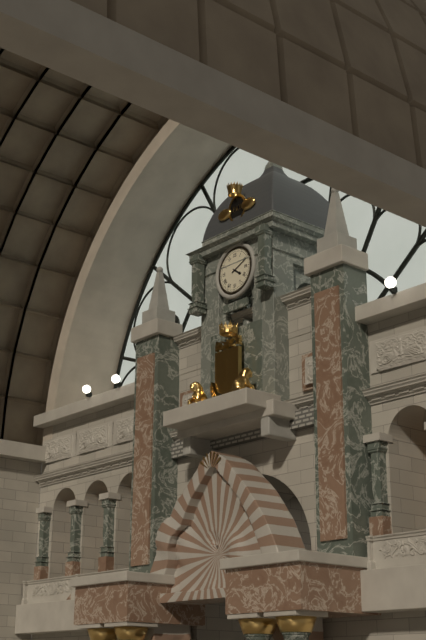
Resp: {"hour": 4, "minute": 11}
